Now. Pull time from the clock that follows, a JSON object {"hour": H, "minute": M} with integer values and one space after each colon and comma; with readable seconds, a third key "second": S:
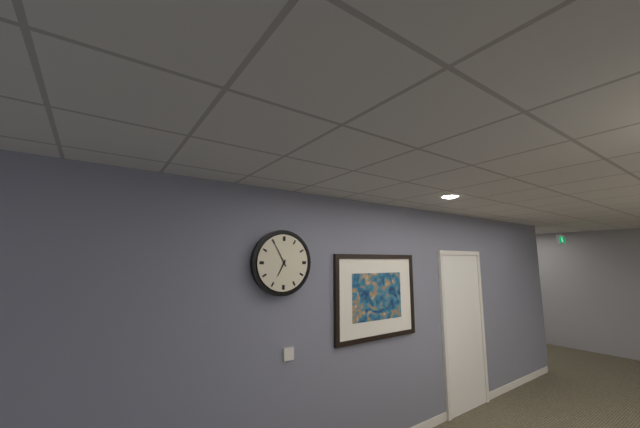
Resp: {"hour": 6, "minute": 55}
